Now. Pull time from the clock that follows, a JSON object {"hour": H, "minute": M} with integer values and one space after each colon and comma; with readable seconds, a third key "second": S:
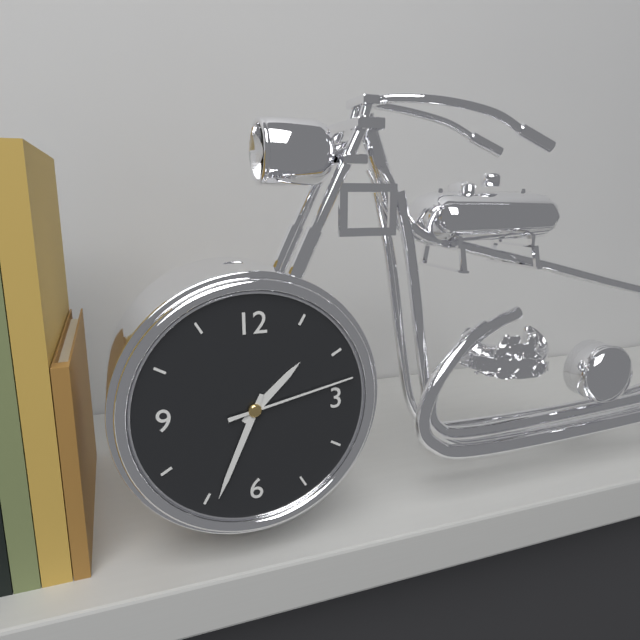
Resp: {"hour": 1, "minute": 34, "second": 13}
